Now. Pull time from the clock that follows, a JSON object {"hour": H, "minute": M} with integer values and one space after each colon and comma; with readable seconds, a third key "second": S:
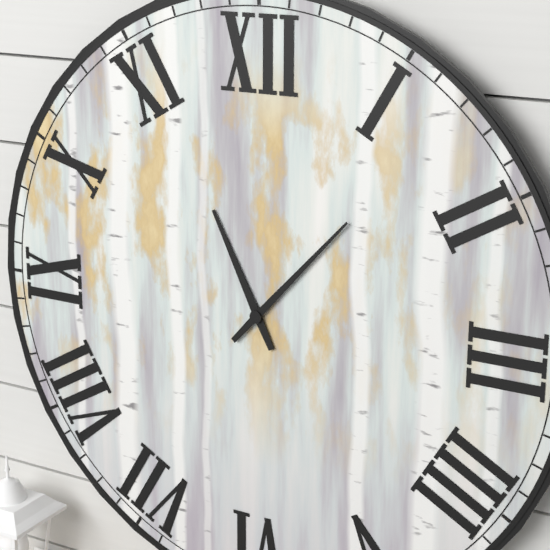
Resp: {"hour": 11, "minute": 7}
